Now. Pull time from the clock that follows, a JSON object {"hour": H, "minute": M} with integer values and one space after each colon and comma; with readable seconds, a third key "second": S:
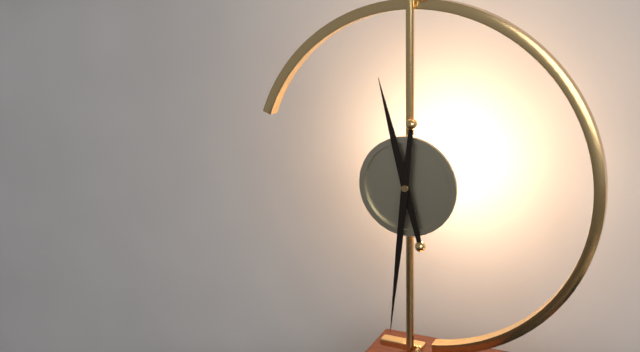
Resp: {"hour": 11, "minute": 31}
